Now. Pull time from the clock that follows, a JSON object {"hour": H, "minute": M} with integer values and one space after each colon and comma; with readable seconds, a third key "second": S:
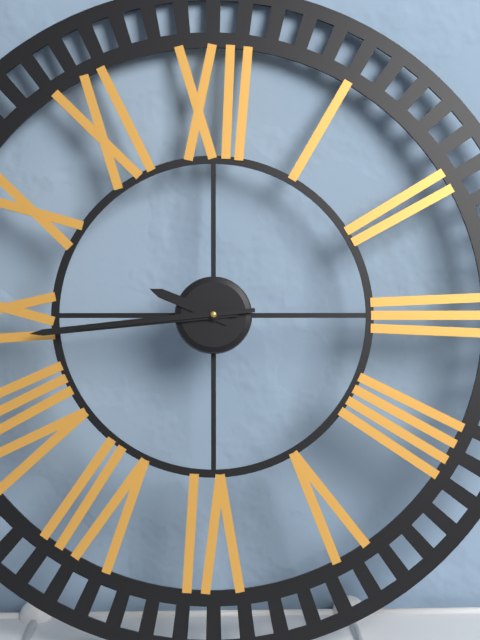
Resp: {"hour": 9, "minute": 44, "second": 44}
